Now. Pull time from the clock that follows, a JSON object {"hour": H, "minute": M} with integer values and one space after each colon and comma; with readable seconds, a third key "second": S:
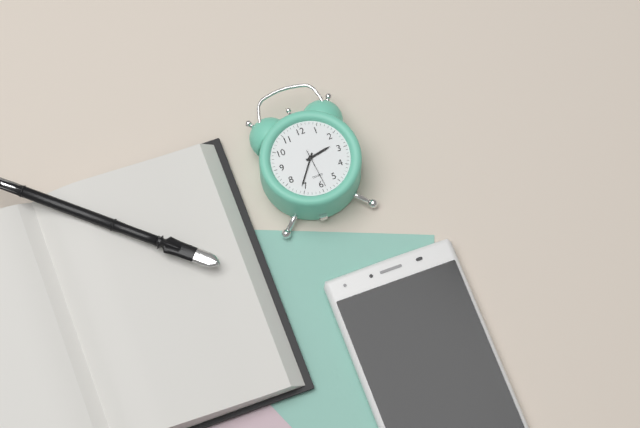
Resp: {"hour": 2, "minute": 36}
